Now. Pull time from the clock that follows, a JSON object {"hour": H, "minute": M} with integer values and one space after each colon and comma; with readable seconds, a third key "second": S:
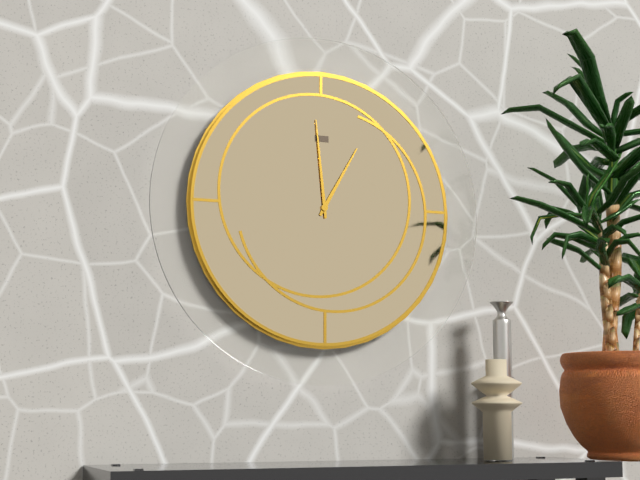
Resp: {"hour": 12, "minute": 59}
